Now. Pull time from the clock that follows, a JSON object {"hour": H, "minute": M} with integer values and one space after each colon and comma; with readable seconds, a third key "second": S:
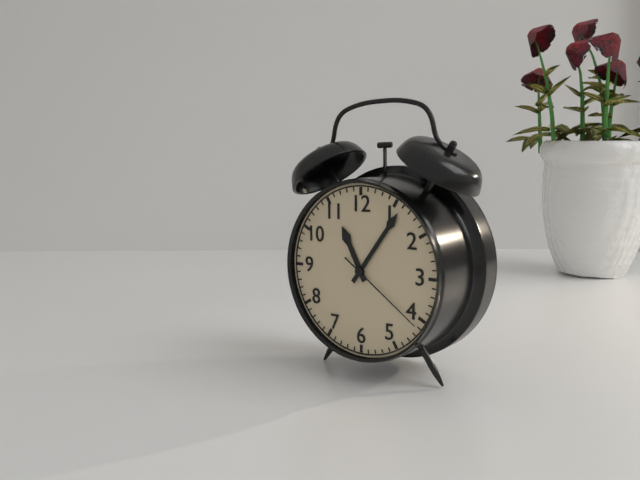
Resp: {"hour": 11, "minute": 6, "second": 21}
